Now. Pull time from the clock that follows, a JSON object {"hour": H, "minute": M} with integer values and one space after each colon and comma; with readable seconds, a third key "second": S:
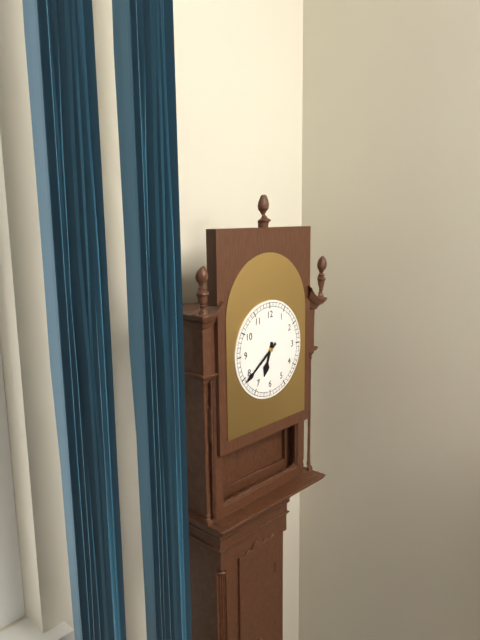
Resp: {"hour": 6, "minute": 39}
